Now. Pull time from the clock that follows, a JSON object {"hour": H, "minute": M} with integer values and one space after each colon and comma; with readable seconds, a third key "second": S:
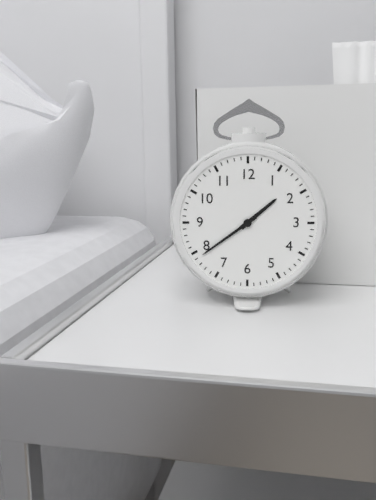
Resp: {"hour": 1, "minute": 39}
